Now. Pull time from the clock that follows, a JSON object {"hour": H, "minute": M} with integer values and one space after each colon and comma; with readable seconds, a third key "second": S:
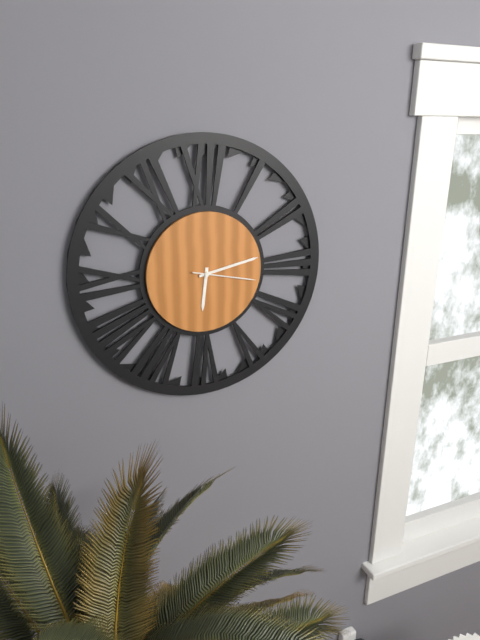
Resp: {"hour": 6, "minute": 13, "second": 17}
